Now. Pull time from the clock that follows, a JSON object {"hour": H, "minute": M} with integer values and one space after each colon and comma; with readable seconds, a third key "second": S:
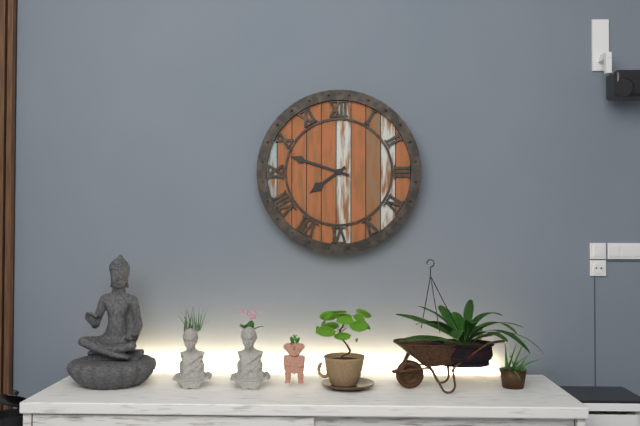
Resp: {"hour": 7, "minute": 48}
